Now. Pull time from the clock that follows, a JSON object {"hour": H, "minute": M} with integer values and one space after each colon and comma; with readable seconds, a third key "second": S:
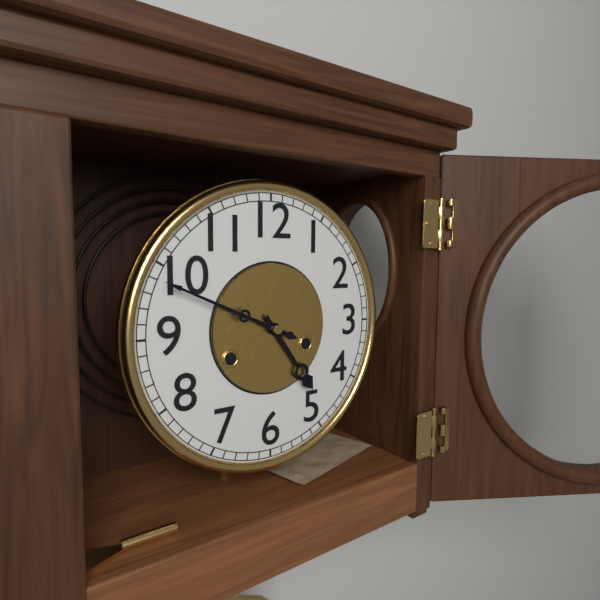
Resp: {"hour": 4, "minute": 49}
